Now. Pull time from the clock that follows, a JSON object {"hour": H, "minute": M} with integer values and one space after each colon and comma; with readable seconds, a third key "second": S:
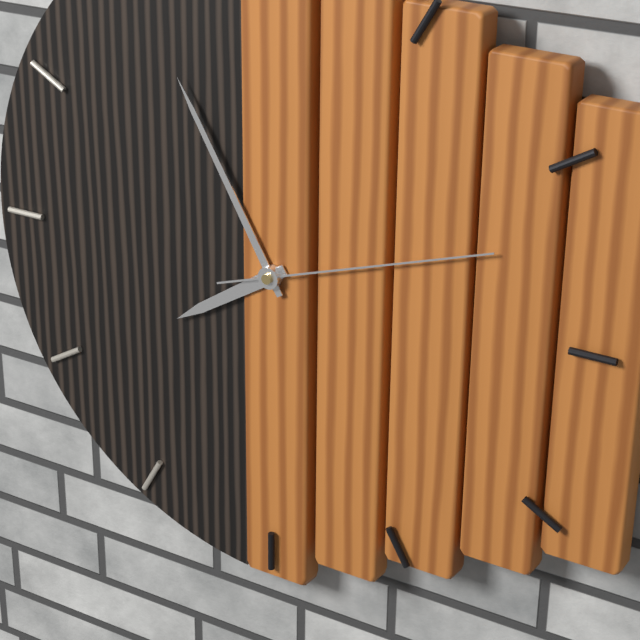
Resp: {"hour": 7, "minute": 55, "second": 12}
